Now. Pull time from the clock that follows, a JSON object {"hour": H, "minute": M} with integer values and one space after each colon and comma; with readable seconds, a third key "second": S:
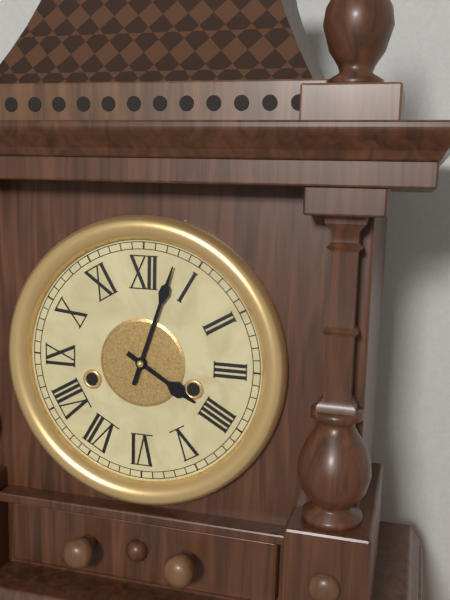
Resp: {"hour": 4, "minute": 3}
